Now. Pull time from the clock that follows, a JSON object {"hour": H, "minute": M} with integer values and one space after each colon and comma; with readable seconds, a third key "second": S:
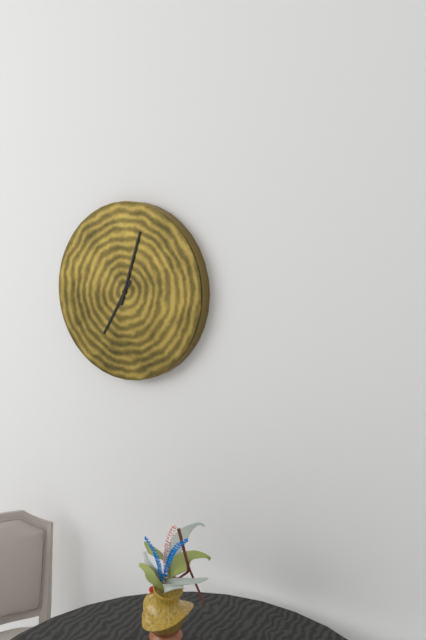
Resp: {"hour": 7, "minute": 3}
